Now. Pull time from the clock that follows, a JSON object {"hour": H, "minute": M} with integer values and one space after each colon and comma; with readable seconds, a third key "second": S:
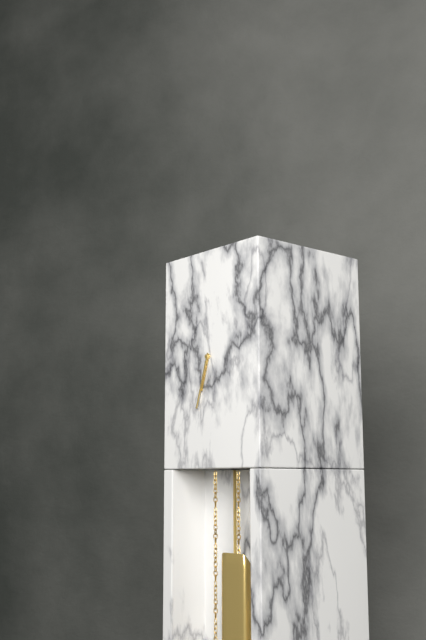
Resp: {"hour": 6, "minute": 33}
